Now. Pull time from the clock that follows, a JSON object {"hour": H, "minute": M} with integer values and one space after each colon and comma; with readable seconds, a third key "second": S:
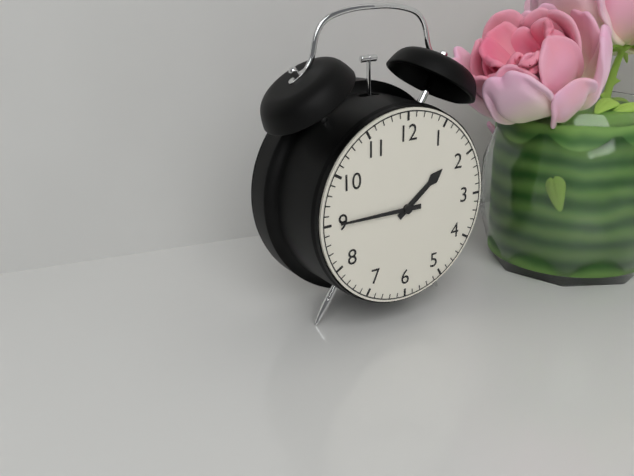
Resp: {"hour": 1, "minute": 45}
